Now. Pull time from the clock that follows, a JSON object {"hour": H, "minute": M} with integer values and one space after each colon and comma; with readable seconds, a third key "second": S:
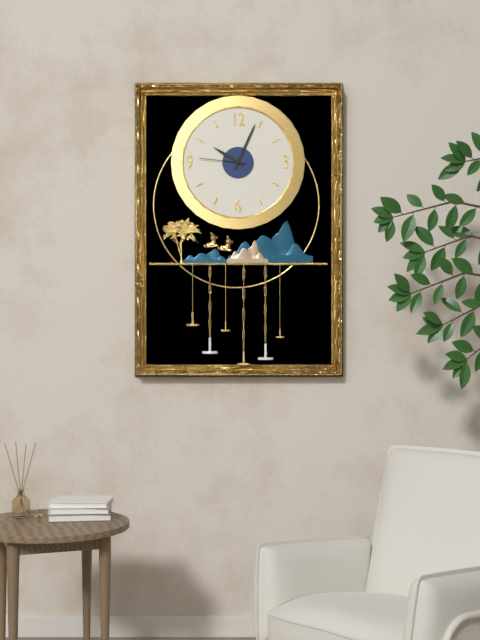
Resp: {"hour": 10, "minute": 4}
